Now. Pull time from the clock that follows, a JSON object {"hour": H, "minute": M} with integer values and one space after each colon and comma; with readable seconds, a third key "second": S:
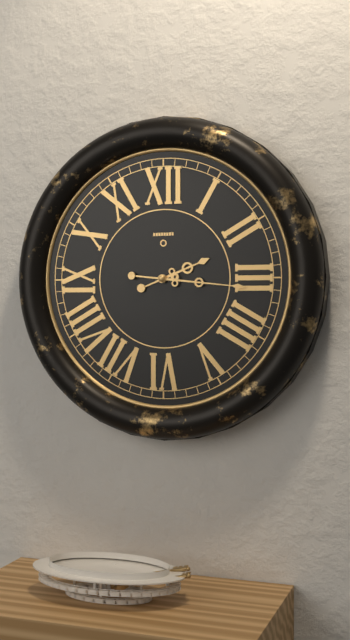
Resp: {"hour": 2, "minute": 16}
